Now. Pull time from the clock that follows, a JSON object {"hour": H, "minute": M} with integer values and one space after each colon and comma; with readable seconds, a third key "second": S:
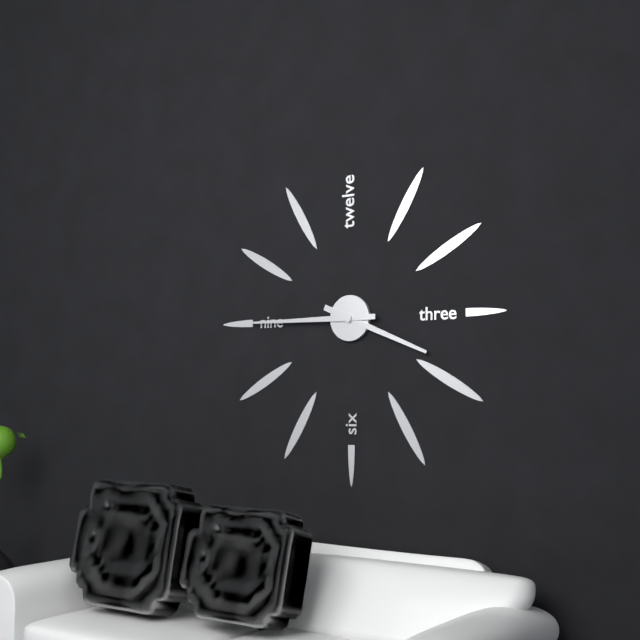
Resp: {"hour": 3, "minute": 45}
